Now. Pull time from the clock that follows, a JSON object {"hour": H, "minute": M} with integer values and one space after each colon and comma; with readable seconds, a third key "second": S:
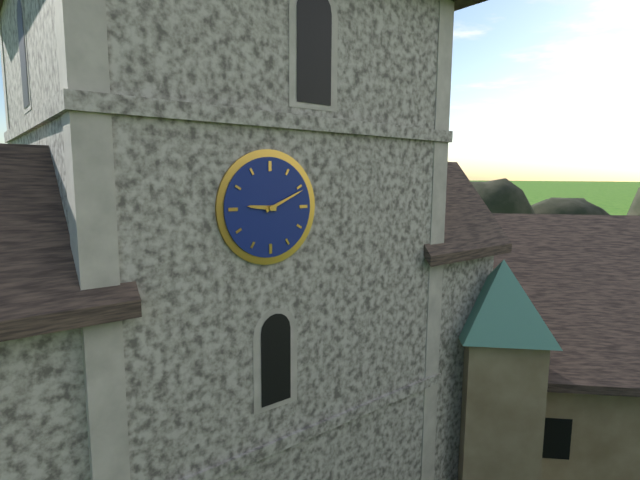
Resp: {"hour": 9, "minute": 11}
